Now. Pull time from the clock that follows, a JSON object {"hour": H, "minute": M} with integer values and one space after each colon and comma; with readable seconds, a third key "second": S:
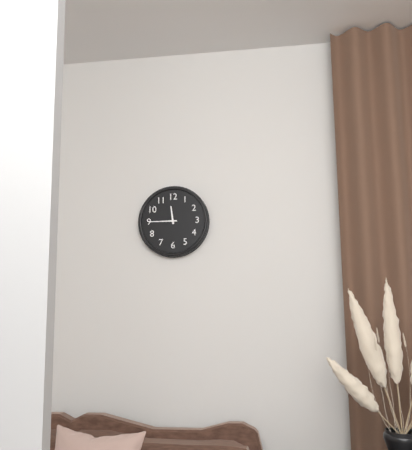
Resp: {"hour": 11, "minute": 45}
